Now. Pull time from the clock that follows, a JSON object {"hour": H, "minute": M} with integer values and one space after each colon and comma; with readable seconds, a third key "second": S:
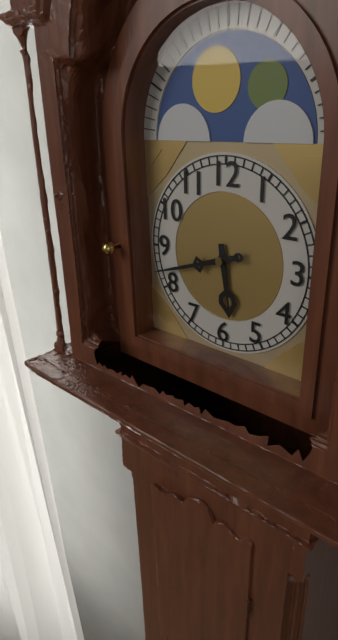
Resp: {"hour": 5, "minute": 42}
